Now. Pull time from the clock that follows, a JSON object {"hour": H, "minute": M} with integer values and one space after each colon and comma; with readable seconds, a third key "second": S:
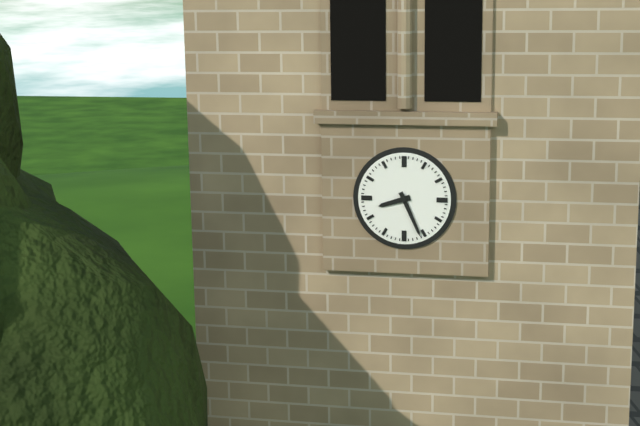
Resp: {"hour": 8, "minute": 26}
